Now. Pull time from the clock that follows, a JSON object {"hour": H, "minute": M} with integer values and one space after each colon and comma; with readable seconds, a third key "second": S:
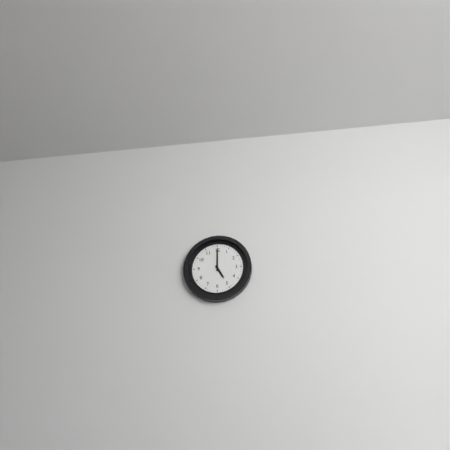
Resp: {"hour": 5, "minute": 0}
